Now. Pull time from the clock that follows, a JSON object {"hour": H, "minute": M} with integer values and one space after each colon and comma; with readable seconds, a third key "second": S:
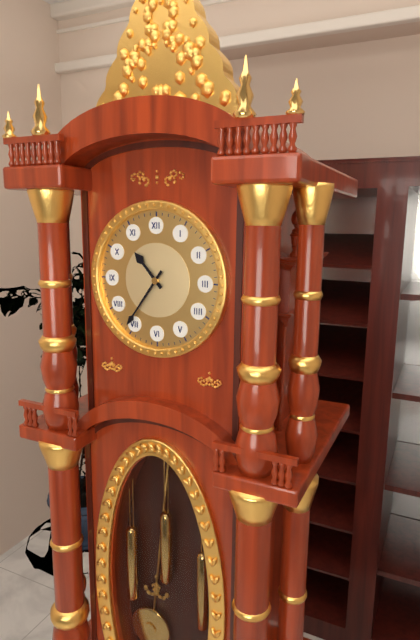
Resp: {"hour": 10, "minute": 36}
